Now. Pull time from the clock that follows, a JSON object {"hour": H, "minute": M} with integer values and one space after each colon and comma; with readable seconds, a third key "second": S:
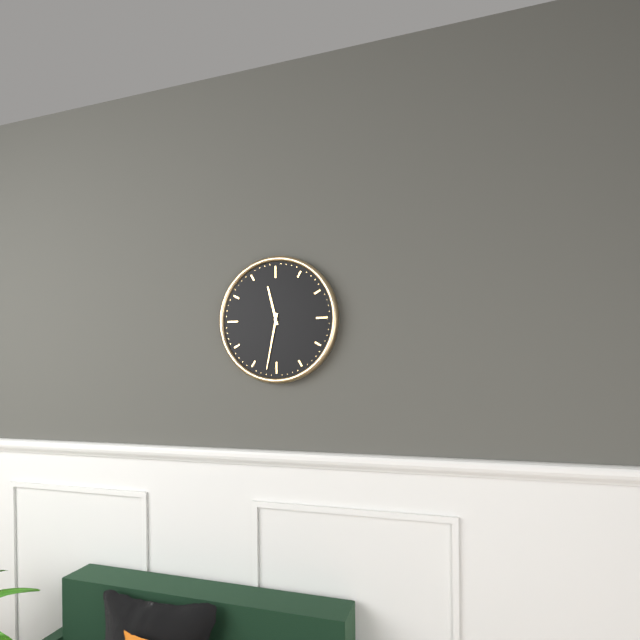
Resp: {"hour": 11, "minute": 32}
